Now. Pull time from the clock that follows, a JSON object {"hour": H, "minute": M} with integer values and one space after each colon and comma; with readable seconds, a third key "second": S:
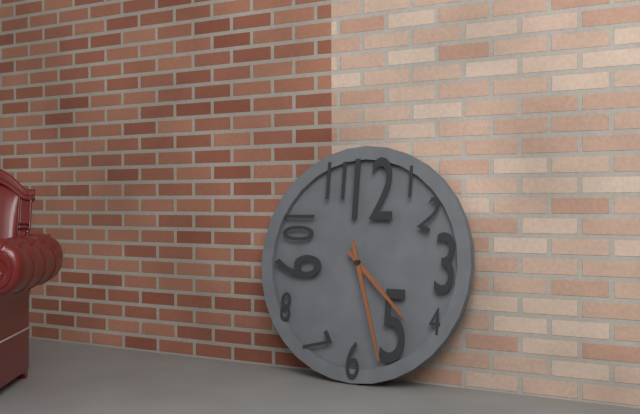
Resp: {"hour": 4, "minute": 27}
